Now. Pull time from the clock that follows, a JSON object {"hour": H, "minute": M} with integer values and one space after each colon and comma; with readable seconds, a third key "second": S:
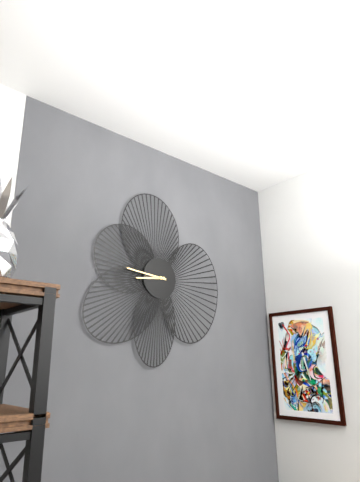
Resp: {"hour": 8, "minute": 46}
